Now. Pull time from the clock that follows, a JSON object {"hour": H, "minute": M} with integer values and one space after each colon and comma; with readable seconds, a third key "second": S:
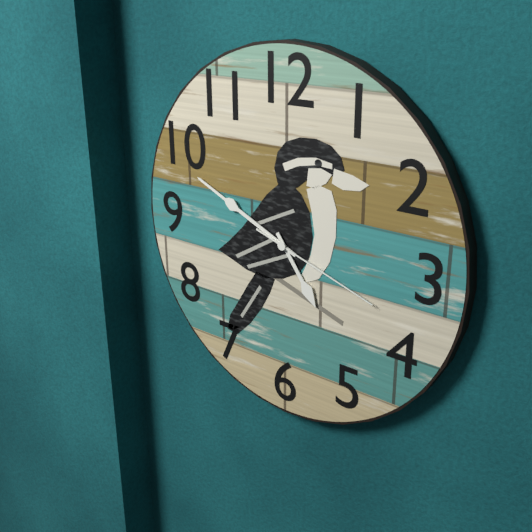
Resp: {"hour": 4, "minute": 49, "second": 18}
